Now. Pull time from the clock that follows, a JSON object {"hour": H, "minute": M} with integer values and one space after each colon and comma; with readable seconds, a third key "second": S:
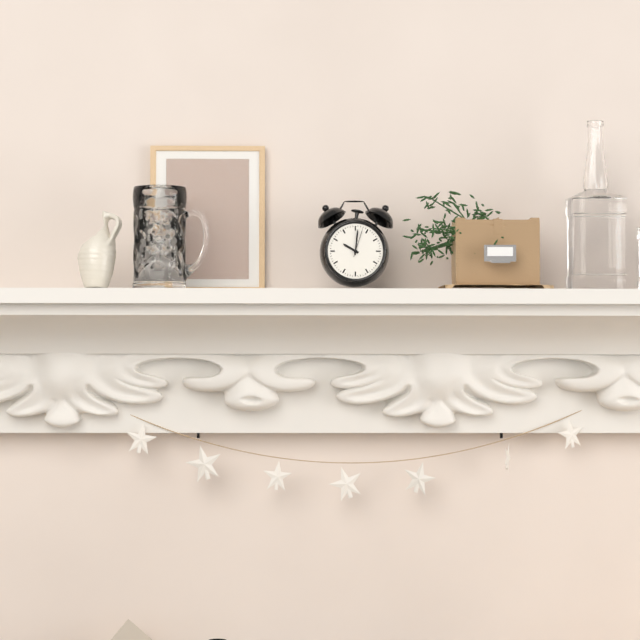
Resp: {"hour": 10, "minute": 1}
